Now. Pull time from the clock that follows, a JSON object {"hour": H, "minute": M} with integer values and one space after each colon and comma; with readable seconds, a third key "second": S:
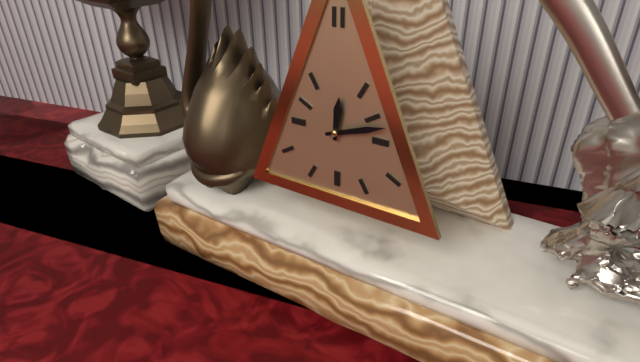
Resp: {"hour": 12, "minute": 12}
